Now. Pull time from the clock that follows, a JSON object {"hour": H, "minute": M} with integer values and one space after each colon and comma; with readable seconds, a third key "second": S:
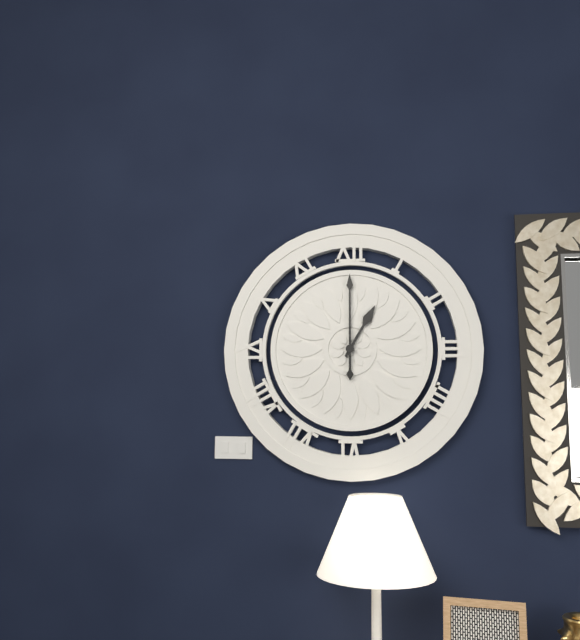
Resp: {"hour": 1, "minute": 0}
